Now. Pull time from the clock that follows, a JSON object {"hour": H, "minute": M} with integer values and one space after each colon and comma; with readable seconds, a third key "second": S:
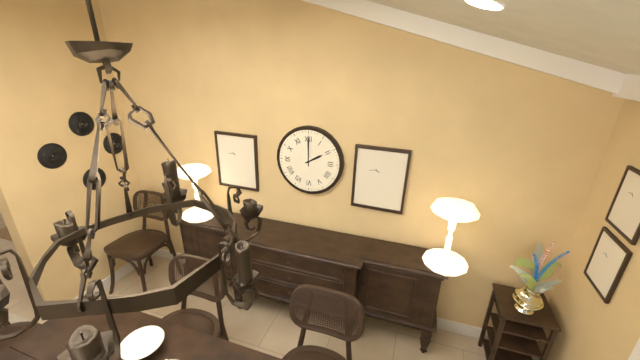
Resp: {"hour": 2, "minute": 0}
